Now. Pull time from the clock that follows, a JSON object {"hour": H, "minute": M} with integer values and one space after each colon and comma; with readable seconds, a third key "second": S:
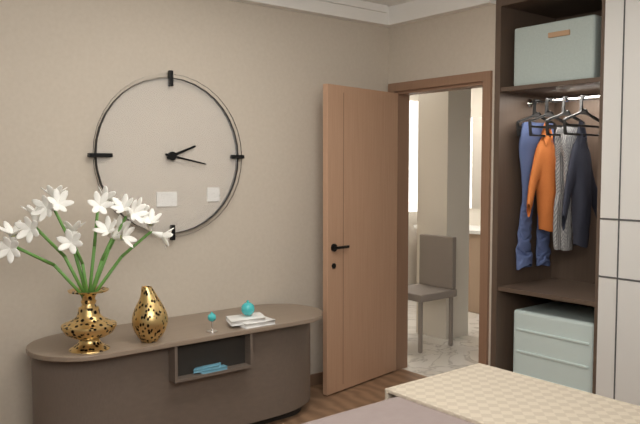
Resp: {"hour": 2, "minute": 17}
